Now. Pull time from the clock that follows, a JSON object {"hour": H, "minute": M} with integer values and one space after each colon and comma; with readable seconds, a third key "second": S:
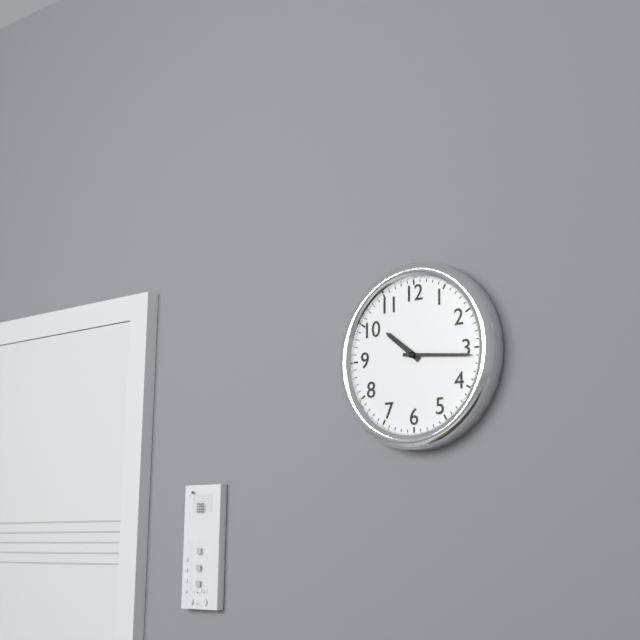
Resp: {"hour": 10, "minute": 16}
